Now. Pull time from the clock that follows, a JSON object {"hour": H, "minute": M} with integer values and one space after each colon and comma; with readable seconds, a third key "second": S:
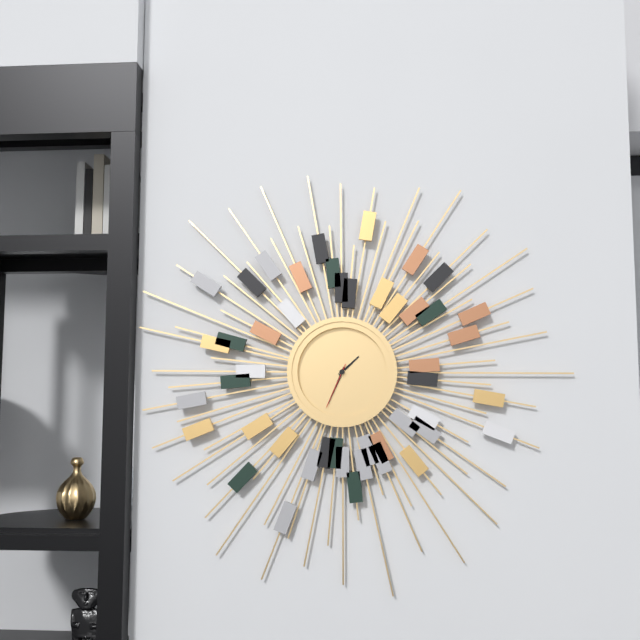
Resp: {"hour": 1, "minute": 34}
